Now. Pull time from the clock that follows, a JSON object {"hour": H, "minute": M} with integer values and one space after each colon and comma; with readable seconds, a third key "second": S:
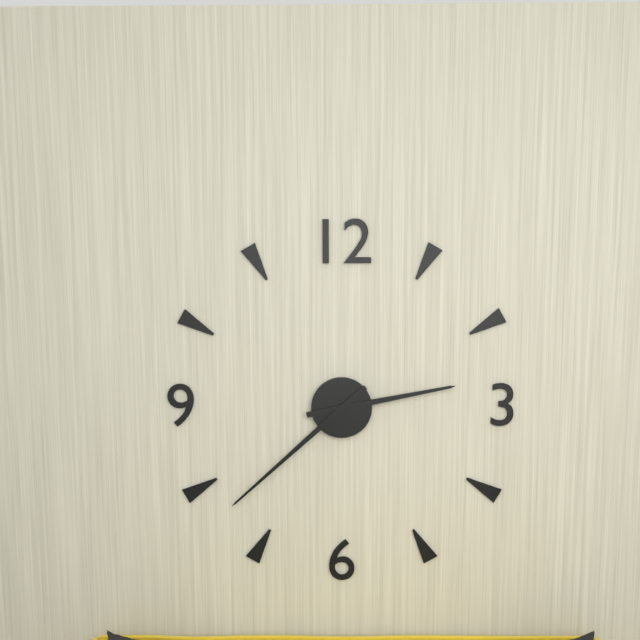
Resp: {"hour": 2, "minute": 38}
